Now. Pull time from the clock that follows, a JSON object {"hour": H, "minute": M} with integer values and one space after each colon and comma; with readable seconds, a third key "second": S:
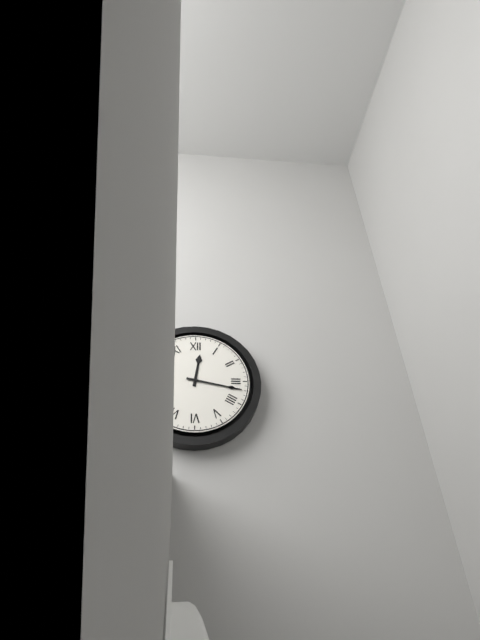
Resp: {"hour": 12, "minute": 17}
